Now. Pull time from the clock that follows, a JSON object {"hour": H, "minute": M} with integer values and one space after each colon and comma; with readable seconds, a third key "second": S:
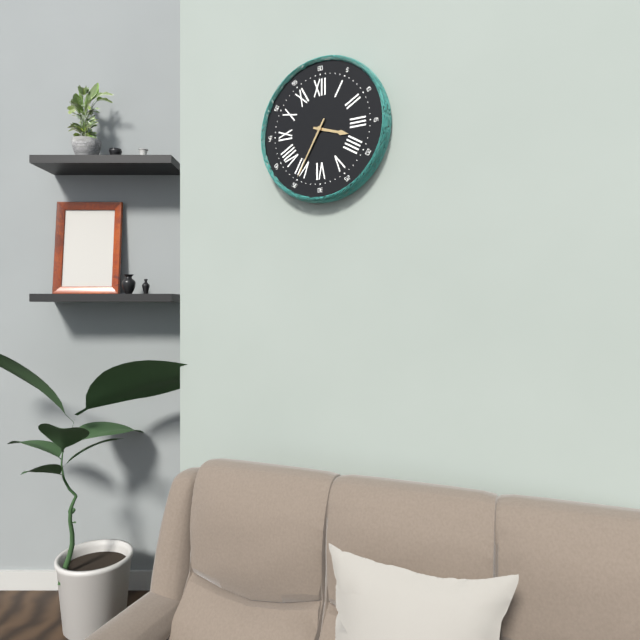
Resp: {"hour": 3, "minute": 35}
